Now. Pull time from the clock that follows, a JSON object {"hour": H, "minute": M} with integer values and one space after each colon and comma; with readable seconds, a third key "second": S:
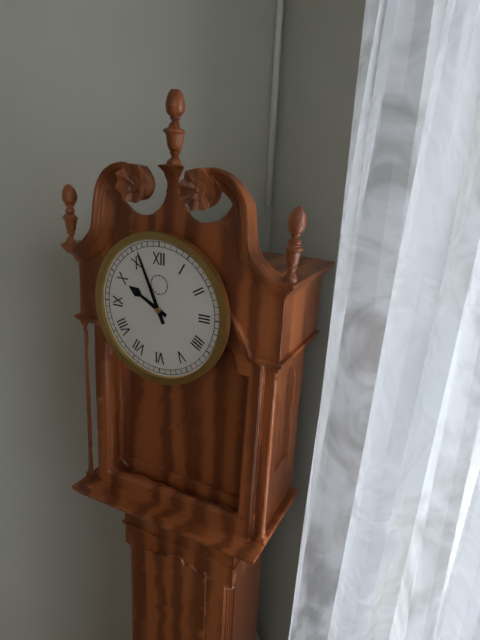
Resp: {"hour": 9, "minute": 56}
